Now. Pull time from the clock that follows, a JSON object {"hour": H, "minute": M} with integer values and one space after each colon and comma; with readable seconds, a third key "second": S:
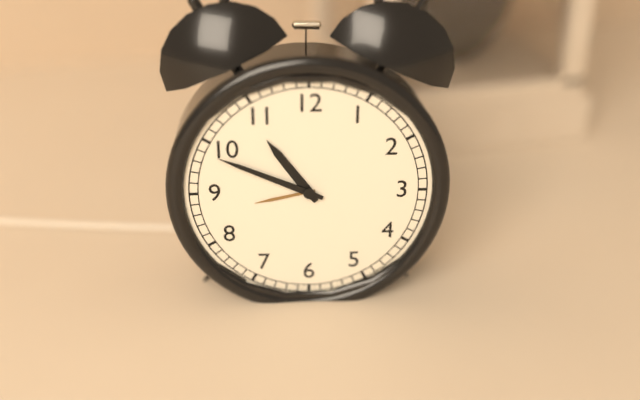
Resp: {"hour": 10, "minute": 49}
